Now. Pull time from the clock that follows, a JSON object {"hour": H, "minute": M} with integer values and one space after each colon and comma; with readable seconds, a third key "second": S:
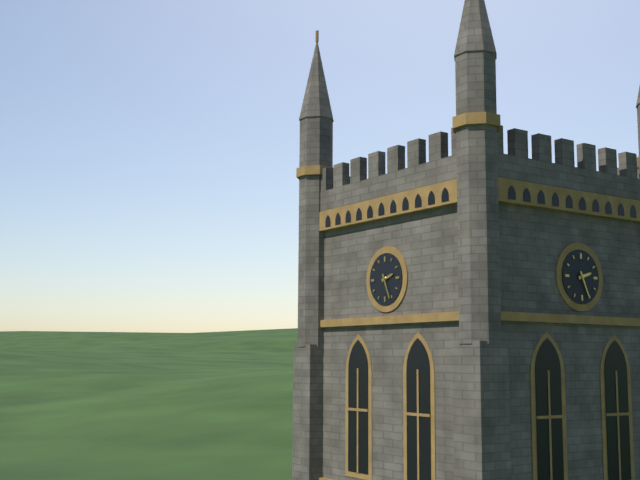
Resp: {"hour": 2, "minute": 26}
